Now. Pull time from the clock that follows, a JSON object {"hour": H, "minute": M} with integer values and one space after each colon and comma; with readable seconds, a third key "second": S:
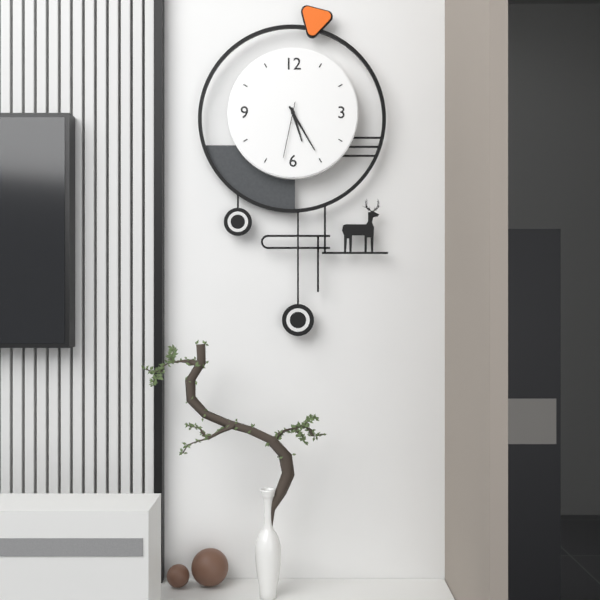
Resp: {"hour": 5, "minute": 25, "second": 32}
